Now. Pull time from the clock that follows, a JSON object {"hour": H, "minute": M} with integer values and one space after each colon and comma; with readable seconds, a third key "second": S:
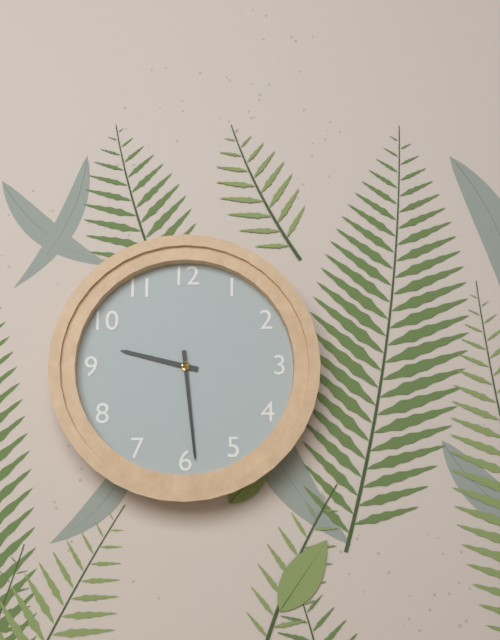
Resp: {"hour": 9, "minute": 29}
